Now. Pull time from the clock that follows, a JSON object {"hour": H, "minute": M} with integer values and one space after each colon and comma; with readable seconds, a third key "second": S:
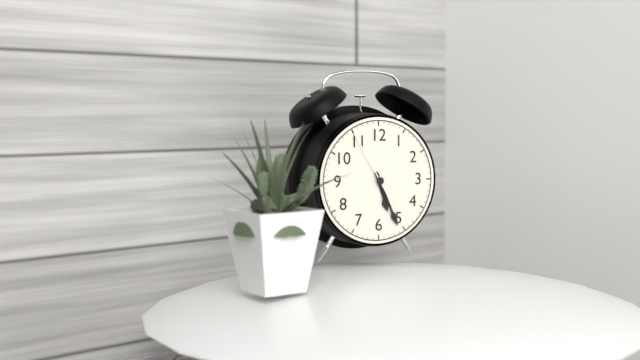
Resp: {"hour": 5, "minute": 26, "second": 55}
